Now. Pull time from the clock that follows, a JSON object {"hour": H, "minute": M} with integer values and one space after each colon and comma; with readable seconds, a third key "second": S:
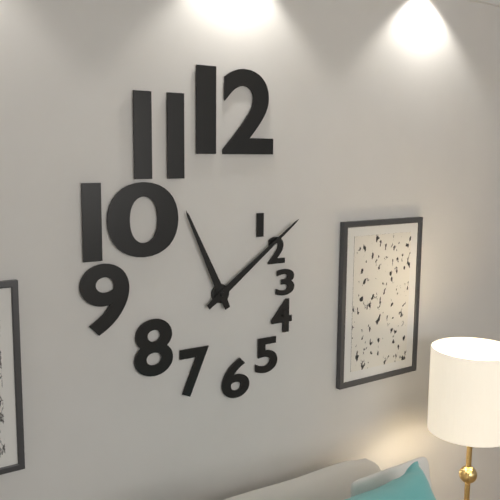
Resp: {"hour": 11, "minute": 9}
